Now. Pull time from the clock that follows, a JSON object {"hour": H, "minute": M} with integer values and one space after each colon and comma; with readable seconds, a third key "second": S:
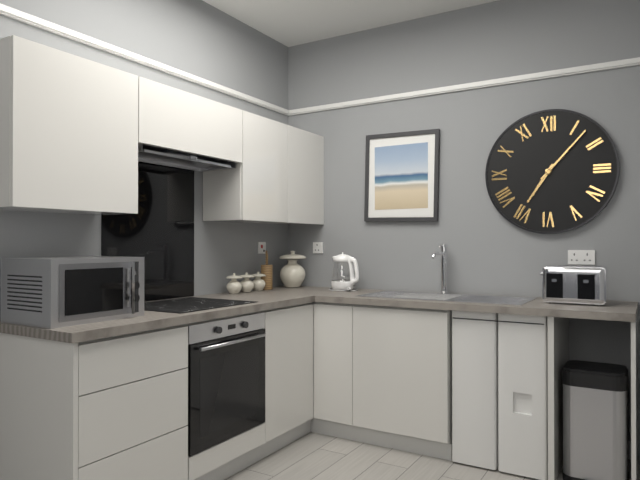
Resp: {"hour": 7, "minute": 7}
